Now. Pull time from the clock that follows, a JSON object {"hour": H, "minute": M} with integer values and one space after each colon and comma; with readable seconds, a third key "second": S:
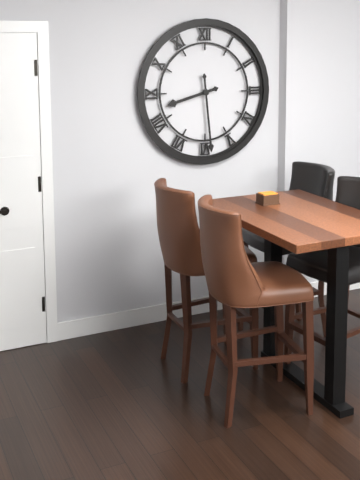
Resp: {"hour": 8, "minute": 29}
